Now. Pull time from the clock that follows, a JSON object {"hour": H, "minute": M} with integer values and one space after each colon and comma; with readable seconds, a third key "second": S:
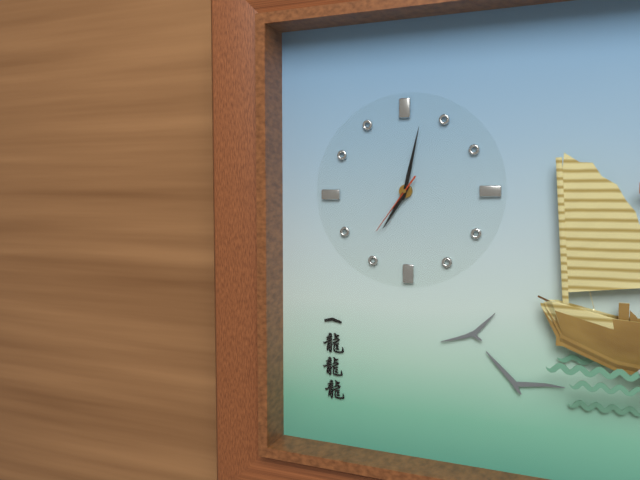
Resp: {"hour": 7, "minute": 2, "second": 36}
